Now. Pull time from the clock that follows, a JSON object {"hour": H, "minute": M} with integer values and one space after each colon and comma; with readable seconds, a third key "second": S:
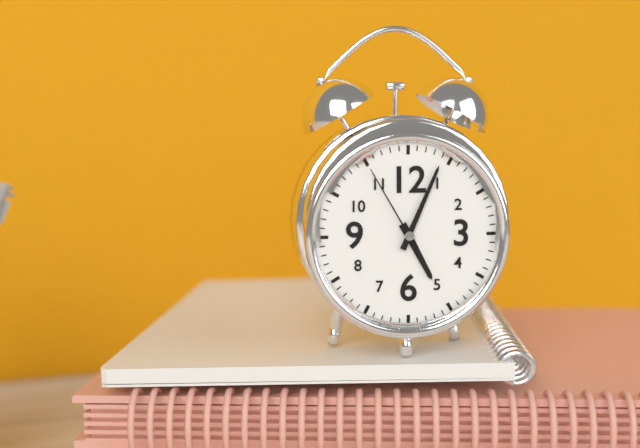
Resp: {"hour": 5, "minute": 4, "second": 55}
